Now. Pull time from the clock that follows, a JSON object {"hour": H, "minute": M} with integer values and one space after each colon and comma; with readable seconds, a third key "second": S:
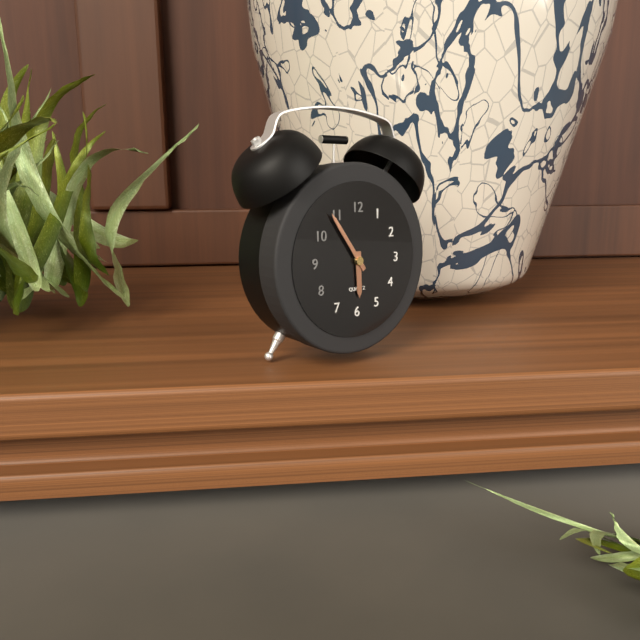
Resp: {"hour": 5, "minute": 54}
